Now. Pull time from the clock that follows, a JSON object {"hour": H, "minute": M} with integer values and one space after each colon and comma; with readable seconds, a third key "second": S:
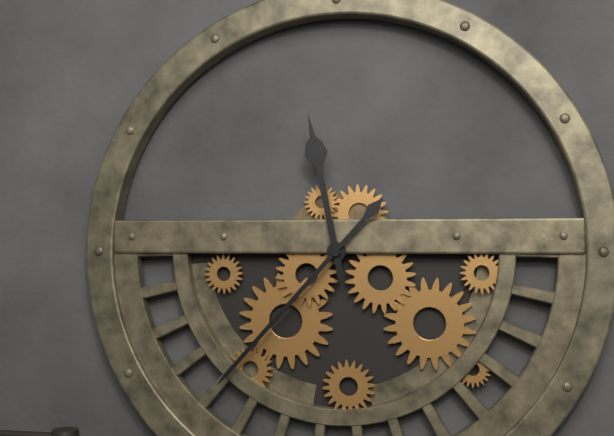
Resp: {"hour": 11, "minute": 37}
